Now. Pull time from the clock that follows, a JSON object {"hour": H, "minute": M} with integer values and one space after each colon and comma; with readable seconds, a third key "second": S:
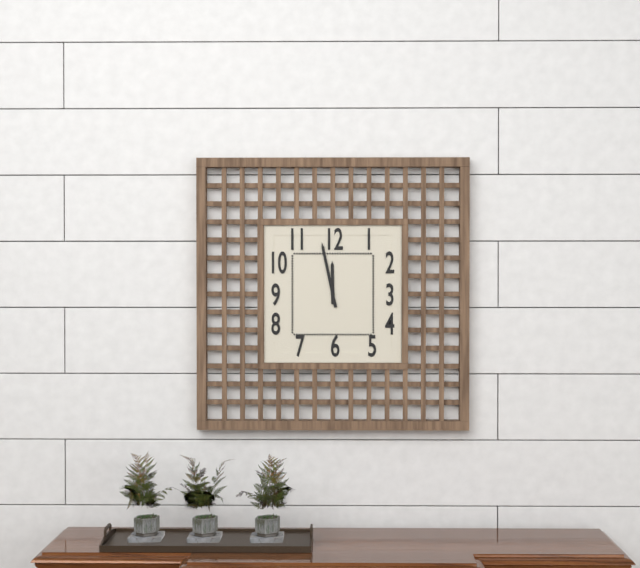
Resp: {"hour": 11, "minute": 58}
